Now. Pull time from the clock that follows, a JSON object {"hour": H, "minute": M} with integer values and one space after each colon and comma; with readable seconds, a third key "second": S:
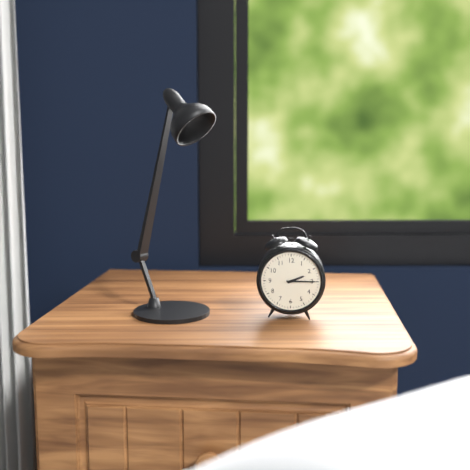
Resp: {"hour": 2, "minute": 15}
